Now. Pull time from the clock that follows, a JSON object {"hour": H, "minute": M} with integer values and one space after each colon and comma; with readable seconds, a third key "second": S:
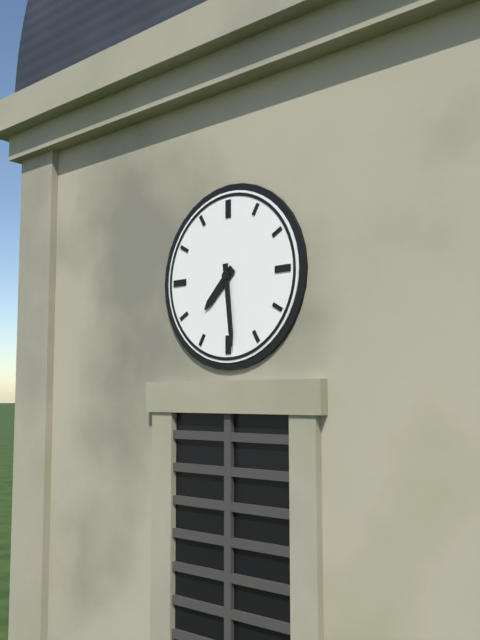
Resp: {"hour": 7, "minute": 29}
